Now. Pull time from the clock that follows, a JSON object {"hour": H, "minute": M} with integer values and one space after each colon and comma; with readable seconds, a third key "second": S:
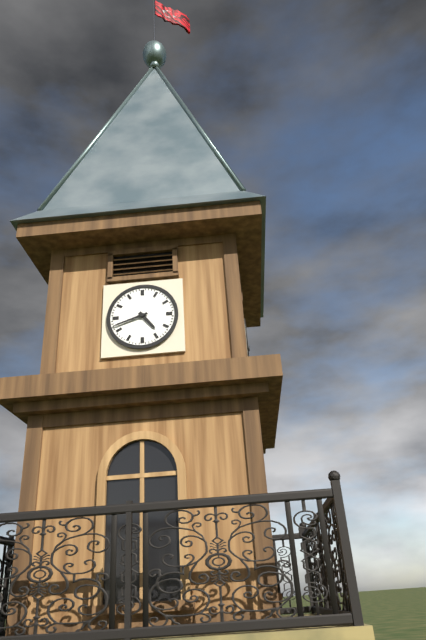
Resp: {"hour": 4, "minute": 42}
